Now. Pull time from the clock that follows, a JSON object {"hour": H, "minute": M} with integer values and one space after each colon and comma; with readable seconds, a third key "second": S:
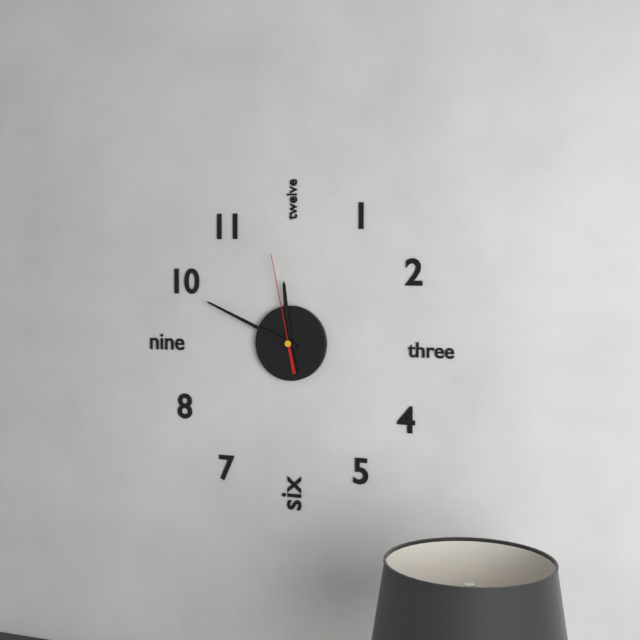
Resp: {"hour": 11, "minute": 49, "second": 58}
